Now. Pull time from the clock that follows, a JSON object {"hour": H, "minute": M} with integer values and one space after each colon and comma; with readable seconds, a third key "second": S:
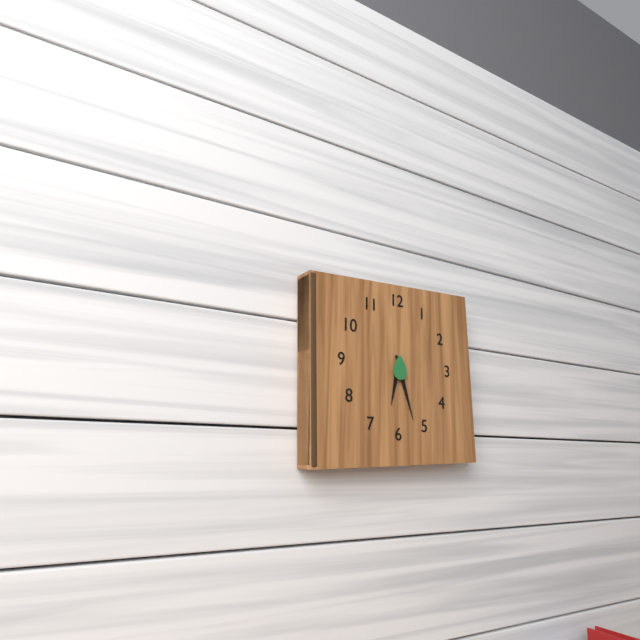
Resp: {"hour": 6, "minute": 27}
